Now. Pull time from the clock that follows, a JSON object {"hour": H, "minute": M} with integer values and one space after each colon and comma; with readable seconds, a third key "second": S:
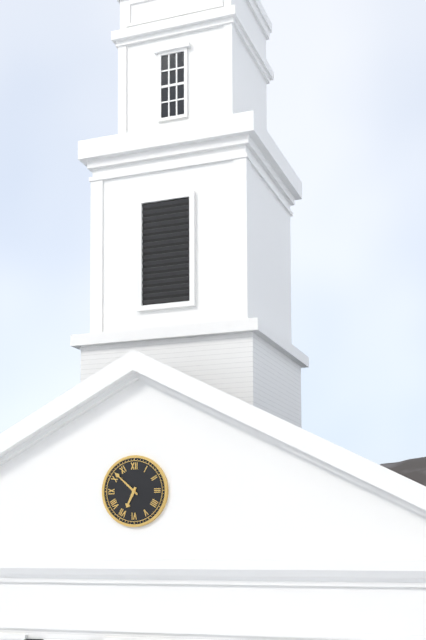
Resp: {"hour": 6, "minute": 52}
